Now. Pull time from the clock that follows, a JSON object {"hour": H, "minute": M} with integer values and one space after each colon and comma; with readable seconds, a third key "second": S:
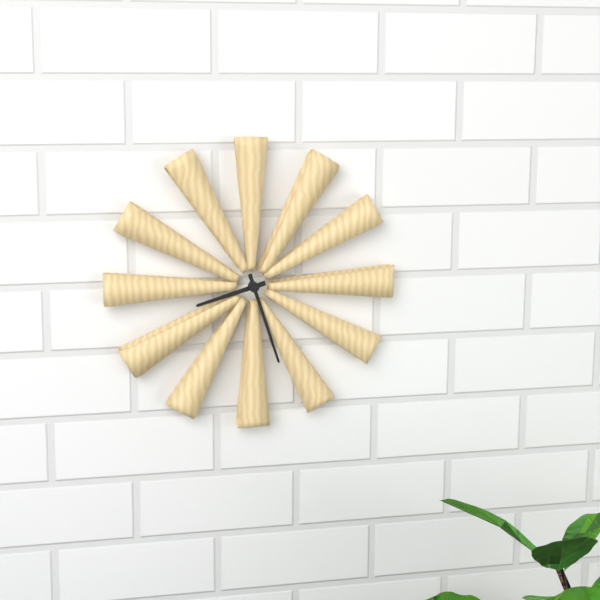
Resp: {"hour": 8, "minute": 27}
